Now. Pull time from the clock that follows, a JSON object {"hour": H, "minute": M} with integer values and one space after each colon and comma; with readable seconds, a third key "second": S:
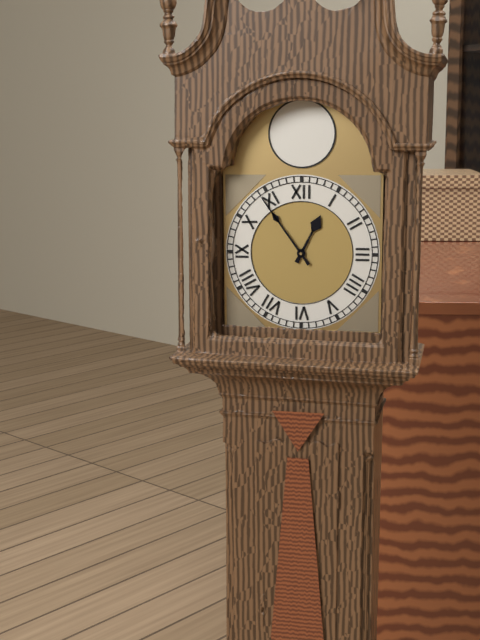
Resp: {"hour": 12, "minute": 54}
